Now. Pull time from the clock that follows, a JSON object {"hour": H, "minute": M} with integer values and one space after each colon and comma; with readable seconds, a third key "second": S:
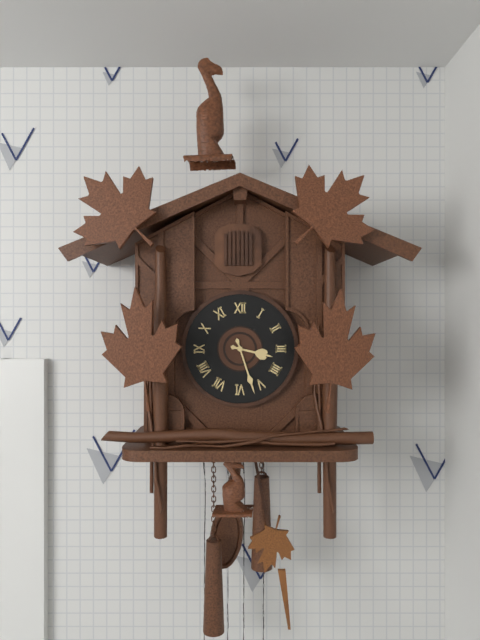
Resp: {"hour": 3, "minute": 27}
